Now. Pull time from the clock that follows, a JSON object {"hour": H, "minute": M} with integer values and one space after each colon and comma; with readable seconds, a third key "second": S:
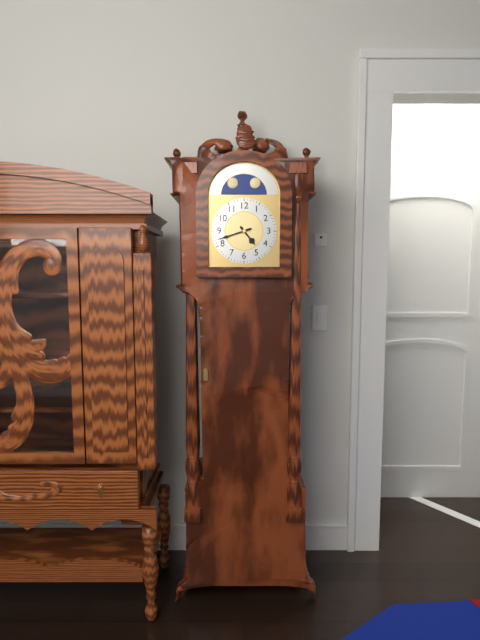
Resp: {"hour": 4, "minute": 42}
